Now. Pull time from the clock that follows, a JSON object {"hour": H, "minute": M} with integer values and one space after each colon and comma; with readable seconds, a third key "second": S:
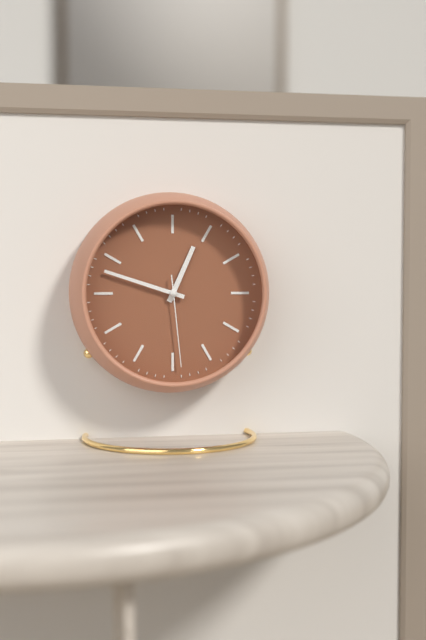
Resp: {"hour": 12, "minute": 48, "second": 29}
